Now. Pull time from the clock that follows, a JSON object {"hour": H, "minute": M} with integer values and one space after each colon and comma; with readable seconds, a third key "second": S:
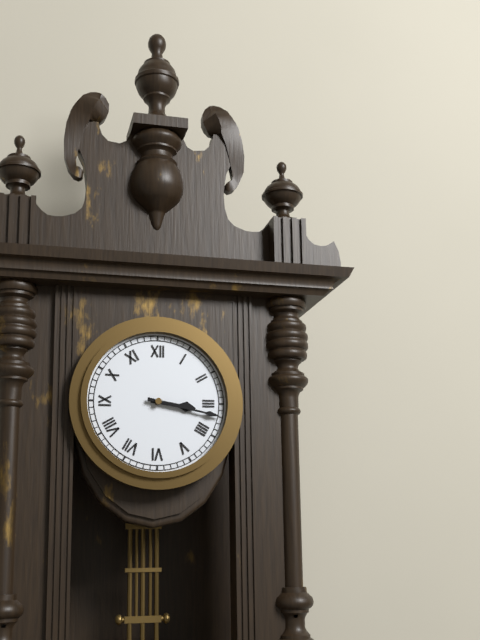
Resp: {"hour": 3, "minute": 17}
